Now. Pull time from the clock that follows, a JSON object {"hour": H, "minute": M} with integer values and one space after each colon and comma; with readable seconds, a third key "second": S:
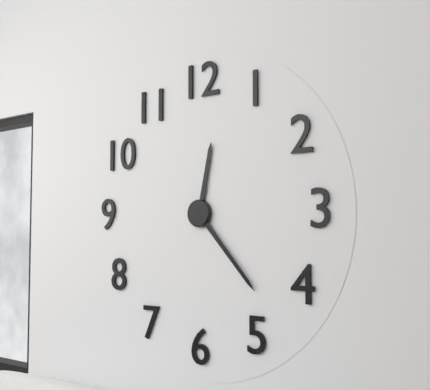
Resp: {"hour": 12, "minute": 23}
